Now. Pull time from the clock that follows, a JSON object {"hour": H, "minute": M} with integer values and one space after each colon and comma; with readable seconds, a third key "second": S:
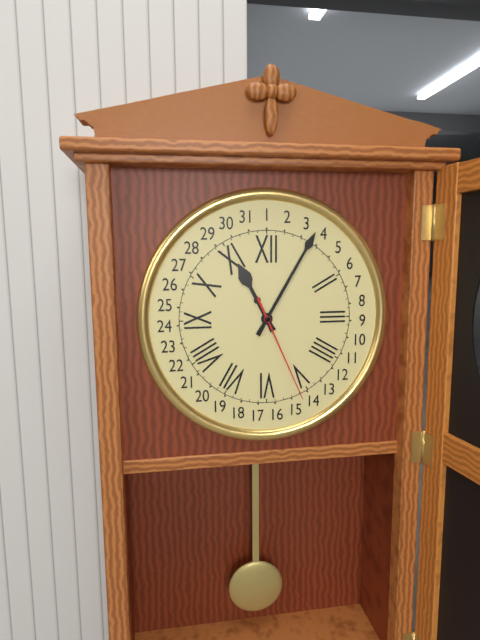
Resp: {"hour": 11, "minute": 5, "second": 26}
